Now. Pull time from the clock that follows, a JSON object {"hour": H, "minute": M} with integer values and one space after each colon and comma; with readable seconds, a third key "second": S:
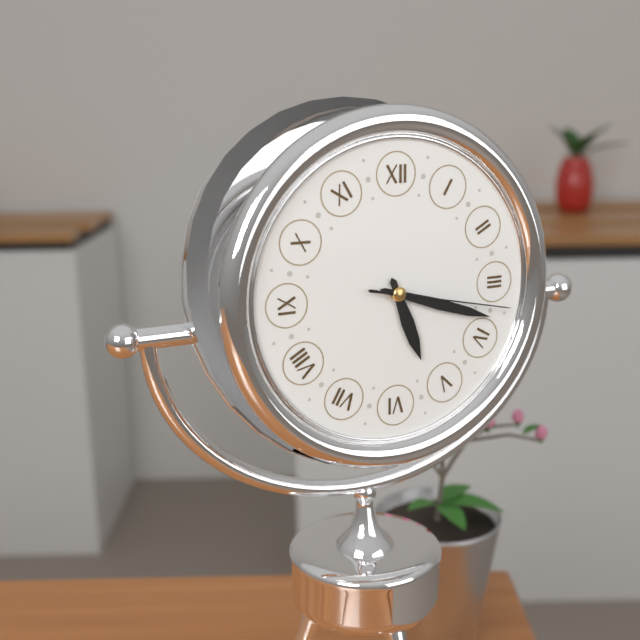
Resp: {"hour": 5, "minute": 18, "second": 17}
